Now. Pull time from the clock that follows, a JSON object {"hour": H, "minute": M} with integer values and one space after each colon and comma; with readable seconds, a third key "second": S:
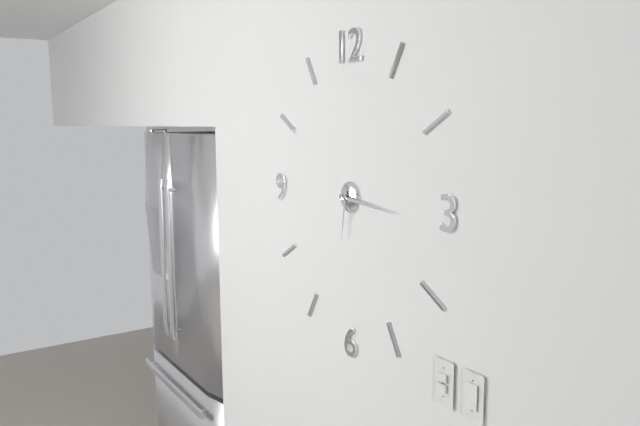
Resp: {"hour": 6, "minute": 16}
